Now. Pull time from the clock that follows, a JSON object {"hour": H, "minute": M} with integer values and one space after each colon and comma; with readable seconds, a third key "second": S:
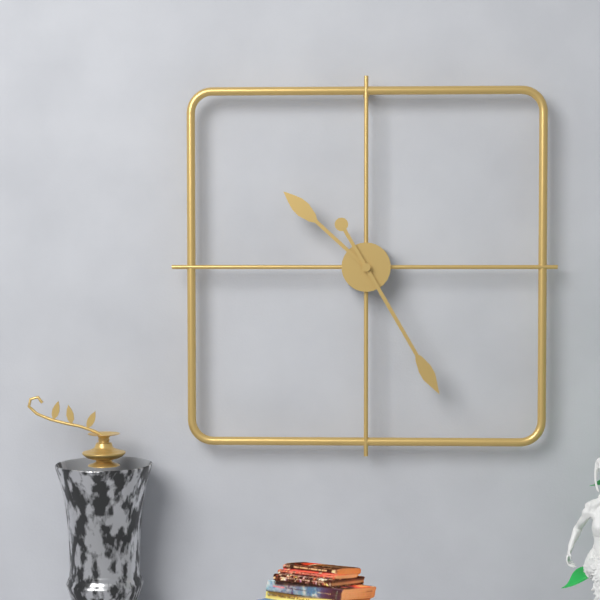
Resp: {"hour": 10, "minute": 25}
